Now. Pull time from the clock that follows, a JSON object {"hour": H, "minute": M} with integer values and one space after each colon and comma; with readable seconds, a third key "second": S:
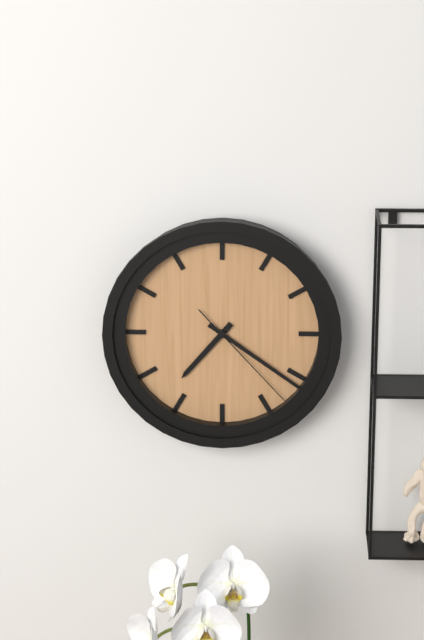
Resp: {"hour": 7, "minute": 21, "second": 23}
